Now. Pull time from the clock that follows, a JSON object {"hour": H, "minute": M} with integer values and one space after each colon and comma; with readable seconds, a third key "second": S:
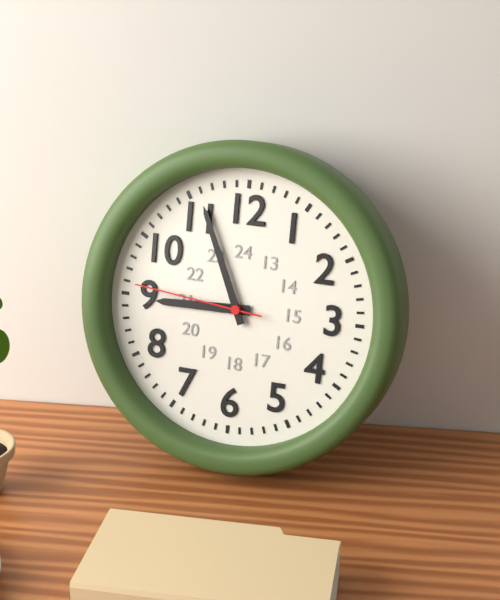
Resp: {"hour": 8, "minute": 56, "second": 46}
